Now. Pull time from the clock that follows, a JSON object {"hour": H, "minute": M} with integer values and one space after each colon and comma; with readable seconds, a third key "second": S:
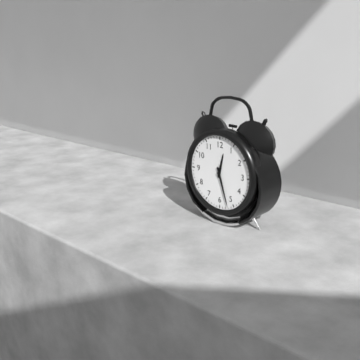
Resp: {"hour": 12, "minute": 27}
